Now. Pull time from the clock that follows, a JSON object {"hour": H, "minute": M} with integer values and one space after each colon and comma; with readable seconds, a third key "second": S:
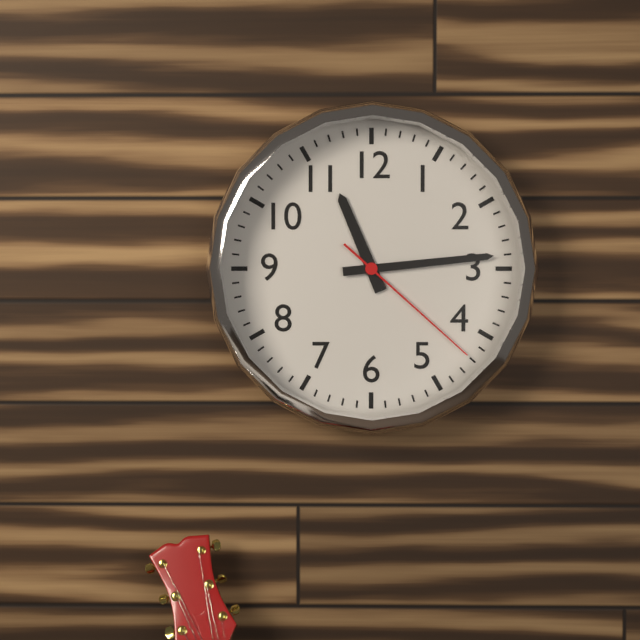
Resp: {"hour": 11, "minute": 14, "second": 22}
